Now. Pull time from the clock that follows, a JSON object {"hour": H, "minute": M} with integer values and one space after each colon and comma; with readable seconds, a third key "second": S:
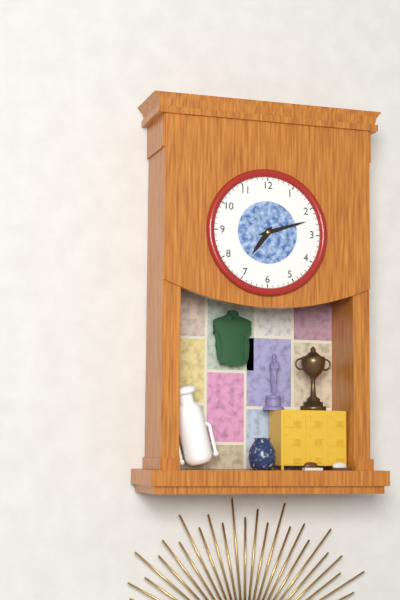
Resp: {"hour": 7, "minute": 12}
